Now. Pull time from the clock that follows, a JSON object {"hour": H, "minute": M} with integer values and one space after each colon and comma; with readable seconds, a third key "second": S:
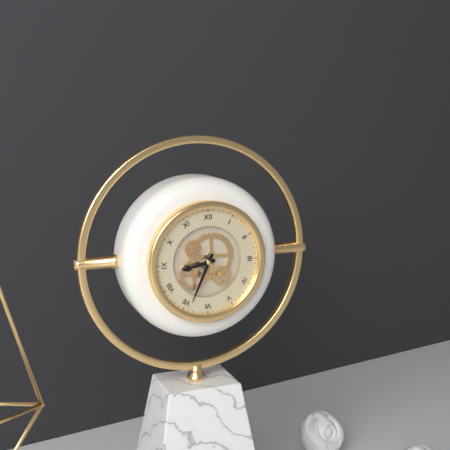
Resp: {"hour": 8, "minute": 34}
